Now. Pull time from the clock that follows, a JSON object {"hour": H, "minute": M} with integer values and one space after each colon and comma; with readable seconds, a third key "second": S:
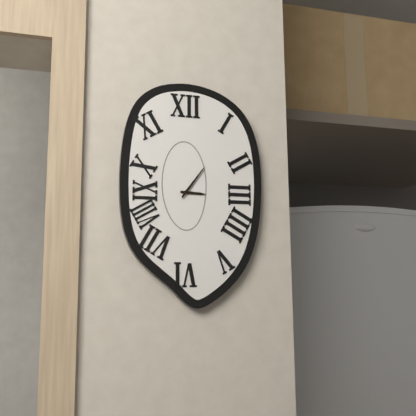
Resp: {"hour": 3, "minute": 6}
